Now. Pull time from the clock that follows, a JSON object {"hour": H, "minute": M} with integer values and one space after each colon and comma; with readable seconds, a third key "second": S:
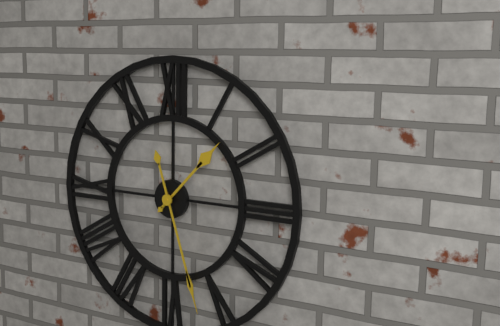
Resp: {"hour": 1, "minute": 27}
